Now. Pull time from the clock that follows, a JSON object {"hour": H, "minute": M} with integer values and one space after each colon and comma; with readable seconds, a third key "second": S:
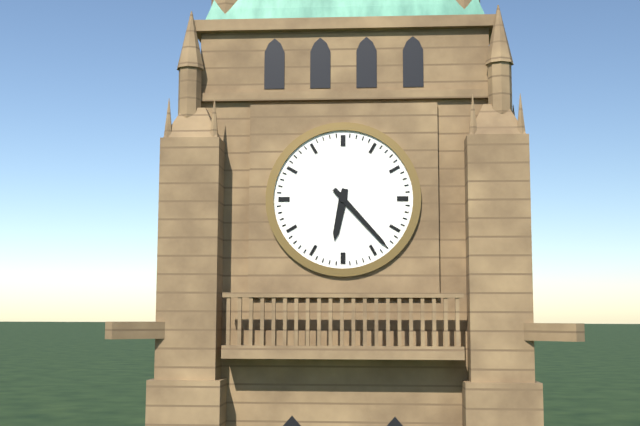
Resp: {"hour": 6, "minute": 23}
